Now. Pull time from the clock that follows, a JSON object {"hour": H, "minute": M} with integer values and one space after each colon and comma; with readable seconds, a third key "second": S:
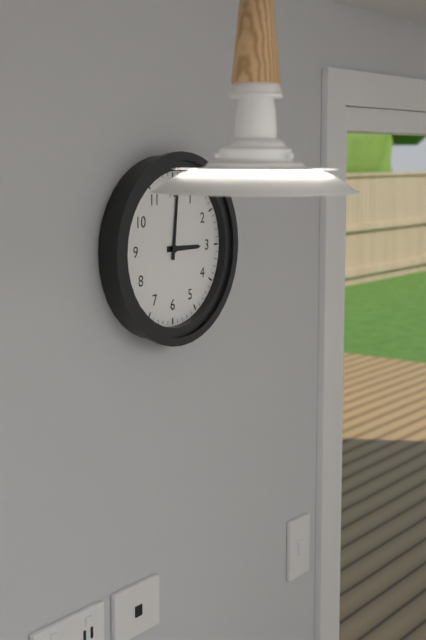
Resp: {"hour": 3, "minute": 1}
